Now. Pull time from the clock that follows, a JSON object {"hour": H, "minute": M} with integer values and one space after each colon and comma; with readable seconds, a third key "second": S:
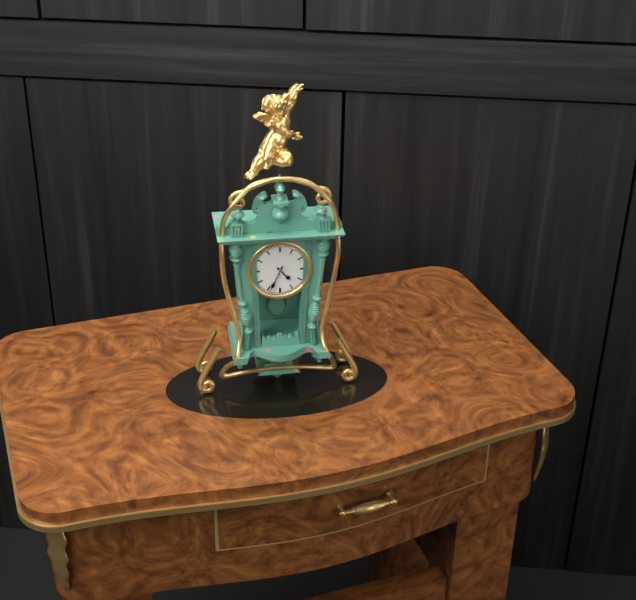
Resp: {"hour": 4, "minute": 34}
